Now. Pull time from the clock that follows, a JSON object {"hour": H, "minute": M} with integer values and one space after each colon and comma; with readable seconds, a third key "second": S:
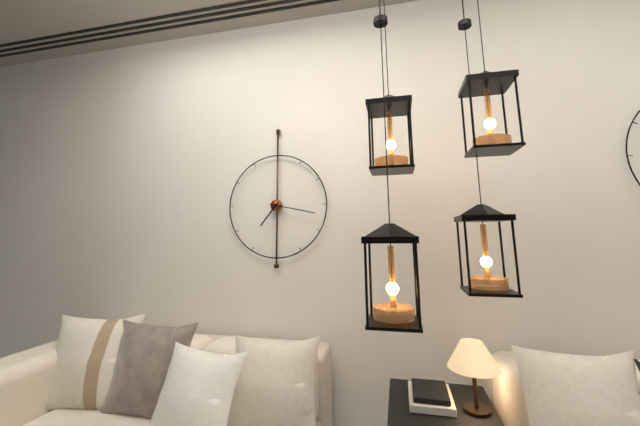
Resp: {"hour": 7, "minute": 17}
